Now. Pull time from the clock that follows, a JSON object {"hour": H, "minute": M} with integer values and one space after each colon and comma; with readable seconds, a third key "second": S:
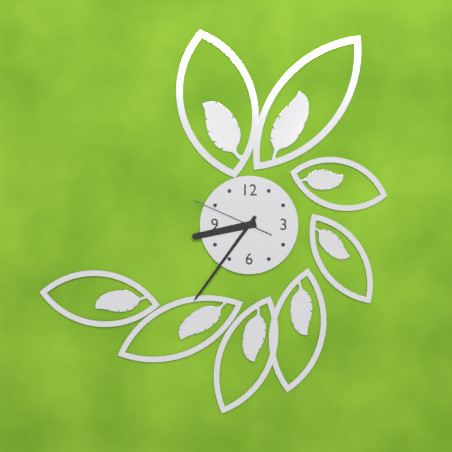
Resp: {"hour": 8, "minute": 36, "second": 49}
